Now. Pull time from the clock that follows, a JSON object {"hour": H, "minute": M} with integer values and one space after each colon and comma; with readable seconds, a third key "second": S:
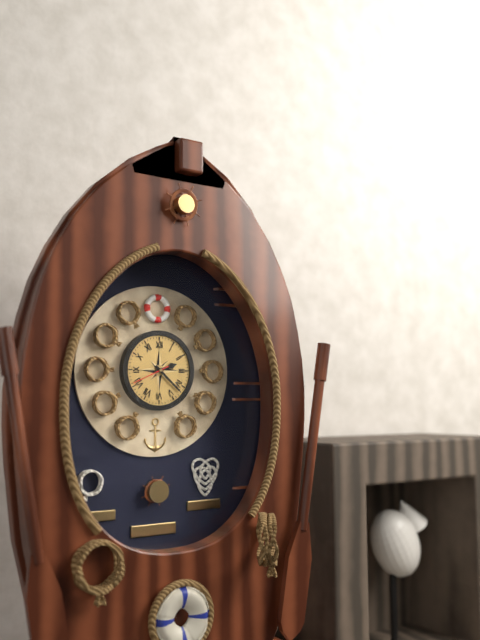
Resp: {"hour": 2, "minute": 22}
